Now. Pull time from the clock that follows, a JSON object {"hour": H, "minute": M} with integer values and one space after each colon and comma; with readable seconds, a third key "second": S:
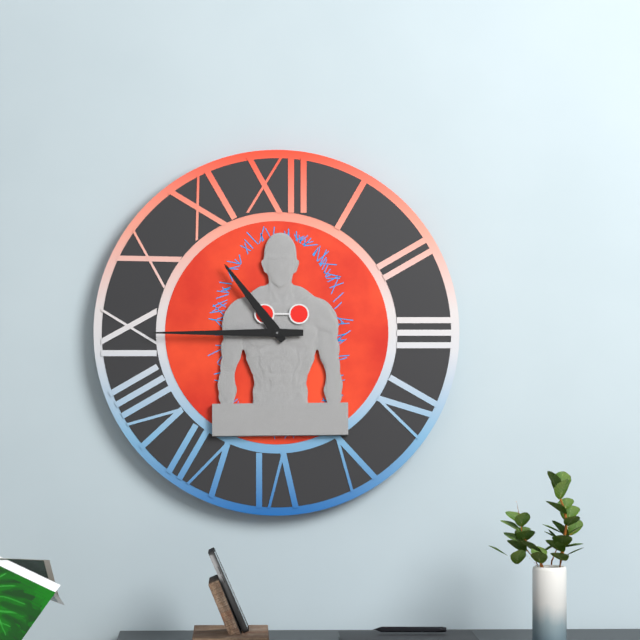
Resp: {"hour": 10, "minute": 45}
